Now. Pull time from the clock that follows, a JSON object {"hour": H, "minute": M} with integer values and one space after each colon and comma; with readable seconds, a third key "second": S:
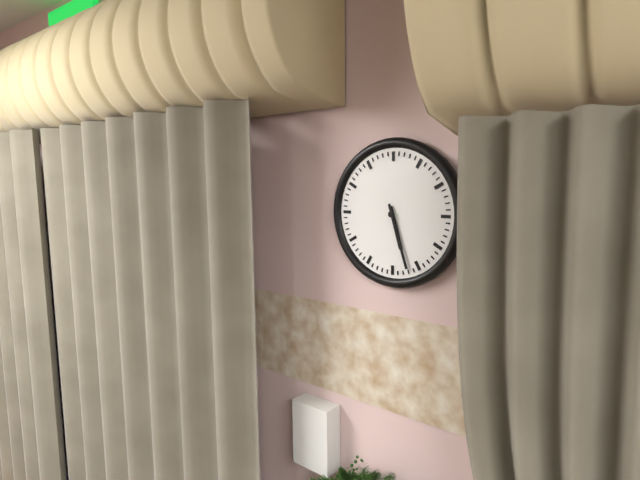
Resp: {"hour": 5, "minute": 27}
